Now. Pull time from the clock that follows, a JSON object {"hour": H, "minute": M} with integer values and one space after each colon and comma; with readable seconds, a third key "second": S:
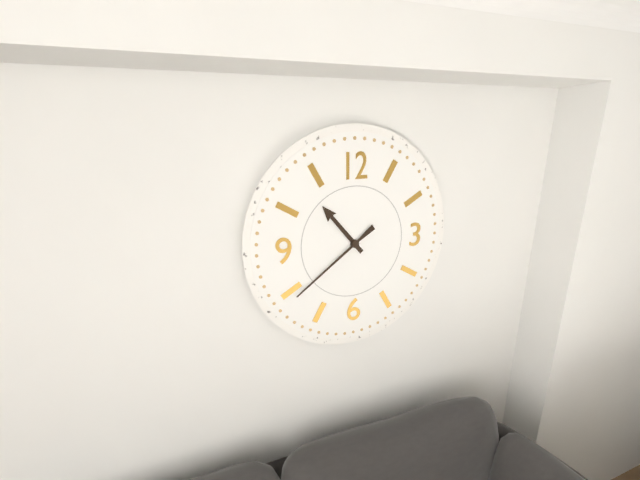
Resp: {"hour": 10, "minute": 39}
